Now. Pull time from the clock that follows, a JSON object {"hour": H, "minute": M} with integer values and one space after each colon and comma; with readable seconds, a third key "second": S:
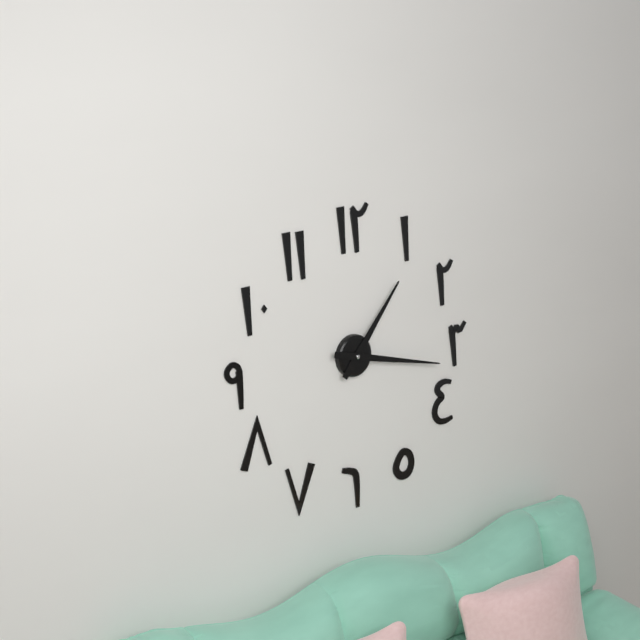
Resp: {"hour": 1, "minute": 17}
